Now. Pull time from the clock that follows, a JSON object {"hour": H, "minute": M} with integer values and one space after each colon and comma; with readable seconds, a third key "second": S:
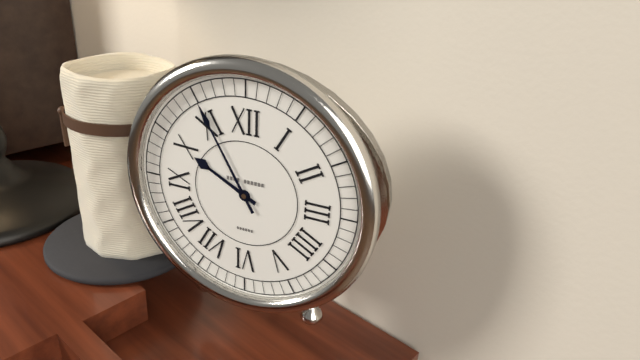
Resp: {"hour": 9, "minute": 55}
